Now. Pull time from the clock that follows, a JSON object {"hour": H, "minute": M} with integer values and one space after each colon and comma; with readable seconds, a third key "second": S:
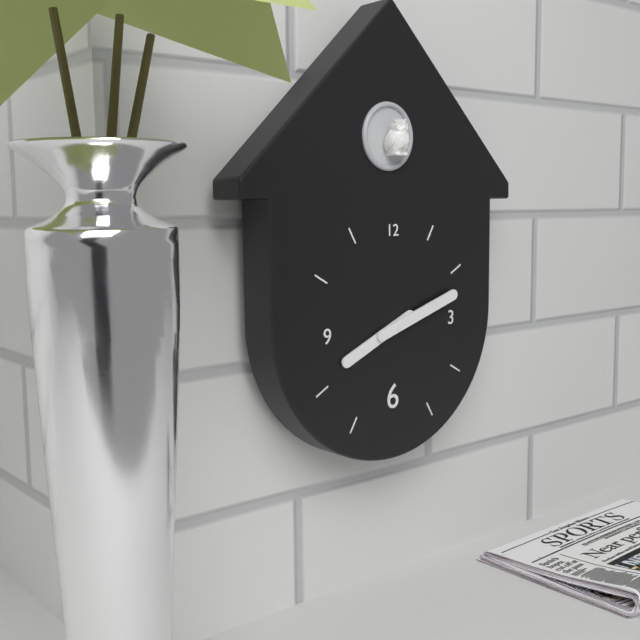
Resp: {"hour": 8, "minute": 12}
